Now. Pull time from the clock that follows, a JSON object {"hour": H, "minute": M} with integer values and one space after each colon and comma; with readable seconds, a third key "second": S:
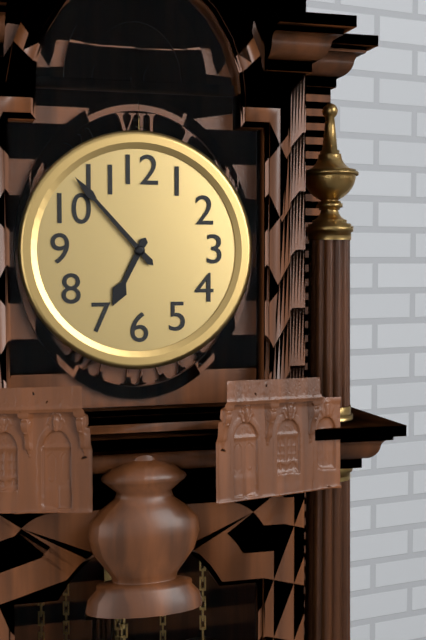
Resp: {"hour": 6, "minute": 53}
